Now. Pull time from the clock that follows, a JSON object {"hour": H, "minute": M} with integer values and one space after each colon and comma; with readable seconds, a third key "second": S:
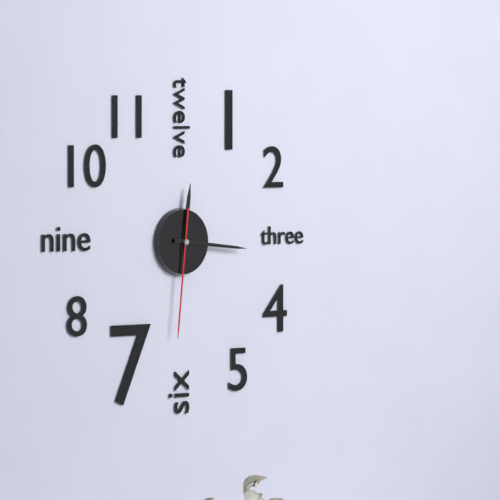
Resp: {"hour": 12, "minute": 16, "second": 31}
